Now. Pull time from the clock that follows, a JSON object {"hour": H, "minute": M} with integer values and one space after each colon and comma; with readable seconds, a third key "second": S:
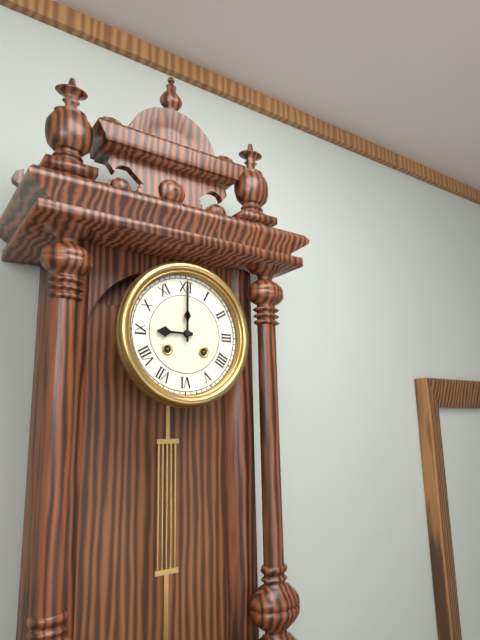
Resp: {"hour": 9, "minute": 0}
